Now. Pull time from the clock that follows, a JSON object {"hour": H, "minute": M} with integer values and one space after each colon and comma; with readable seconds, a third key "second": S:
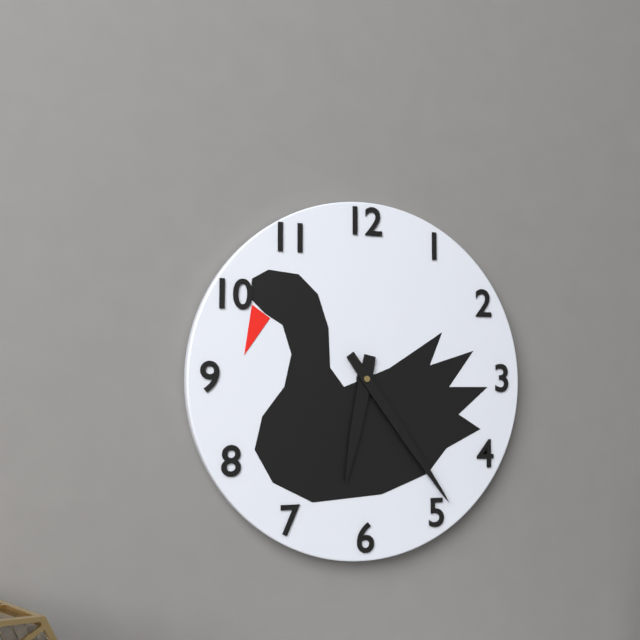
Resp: {"hour": 6, "minute": 24}
